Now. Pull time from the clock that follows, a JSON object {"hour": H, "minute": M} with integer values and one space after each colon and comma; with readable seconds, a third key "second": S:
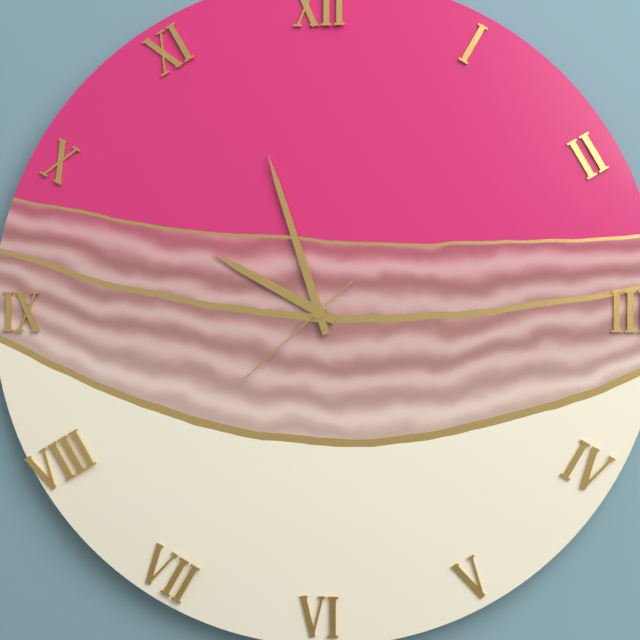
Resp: {"hour": 9, "minute": 57, "second": 38}
